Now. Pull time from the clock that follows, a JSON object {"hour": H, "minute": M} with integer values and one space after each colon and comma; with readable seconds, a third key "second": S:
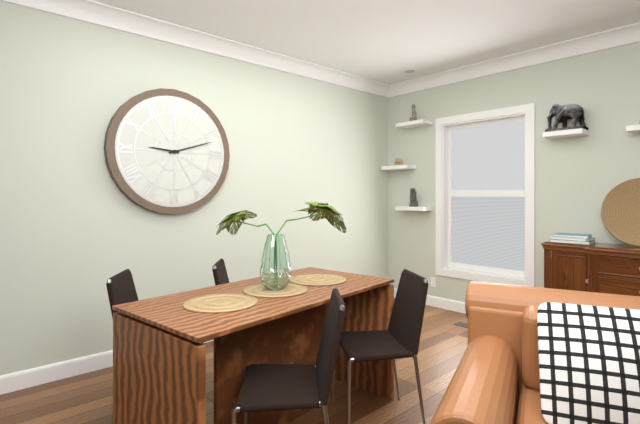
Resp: {"hour": 9, "minute": 12}
